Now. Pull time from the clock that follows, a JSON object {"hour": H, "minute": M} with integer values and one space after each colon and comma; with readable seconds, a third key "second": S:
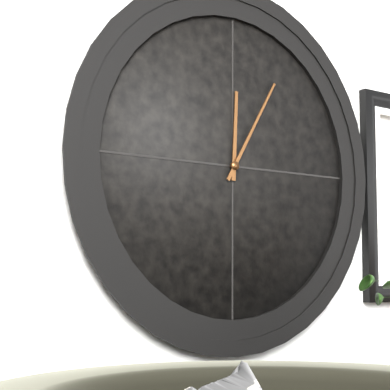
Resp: {"hour": 12, "minute": 5}
